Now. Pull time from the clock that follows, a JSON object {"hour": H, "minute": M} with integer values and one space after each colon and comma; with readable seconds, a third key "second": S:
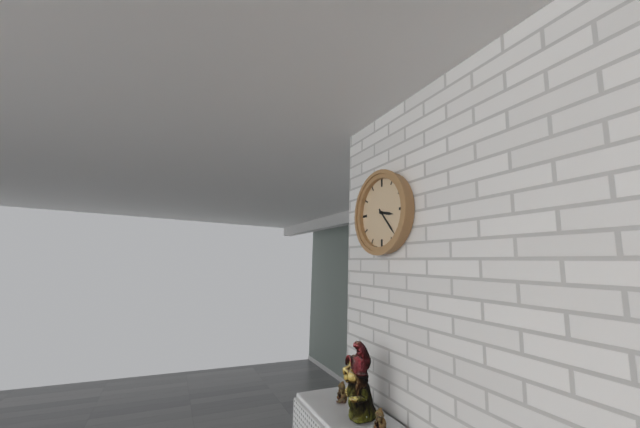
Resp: {"hour": 3, "minute": 23}
